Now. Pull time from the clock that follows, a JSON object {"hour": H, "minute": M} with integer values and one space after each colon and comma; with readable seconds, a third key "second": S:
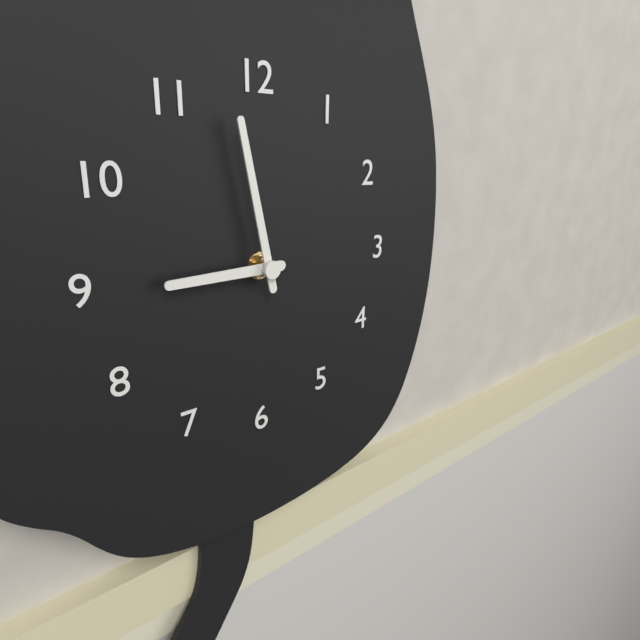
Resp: {"hour": 8, "minute": 58}
